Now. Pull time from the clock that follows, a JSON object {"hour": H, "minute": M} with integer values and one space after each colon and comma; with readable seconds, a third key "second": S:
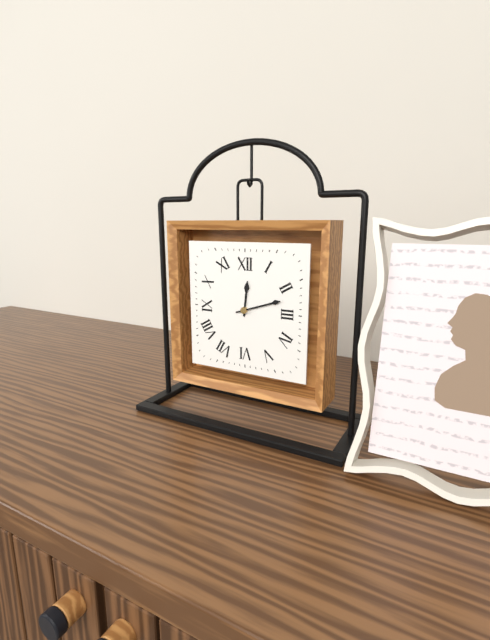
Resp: {"hour": 12, "minute": 12}
